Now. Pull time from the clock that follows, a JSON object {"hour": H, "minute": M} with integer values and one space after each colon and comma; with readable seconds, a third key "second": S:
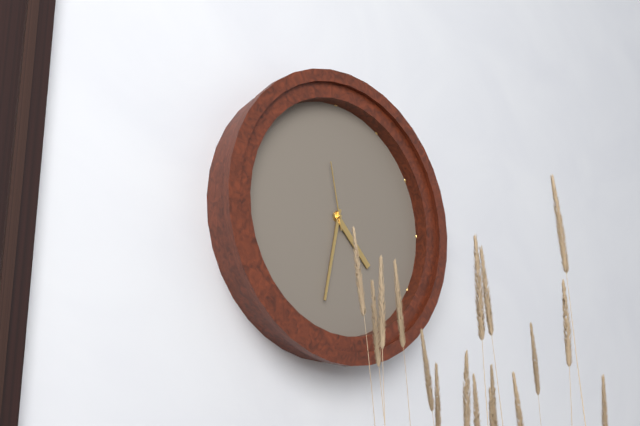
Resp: {"hour": 4, "minute": 32, "second": 58}
